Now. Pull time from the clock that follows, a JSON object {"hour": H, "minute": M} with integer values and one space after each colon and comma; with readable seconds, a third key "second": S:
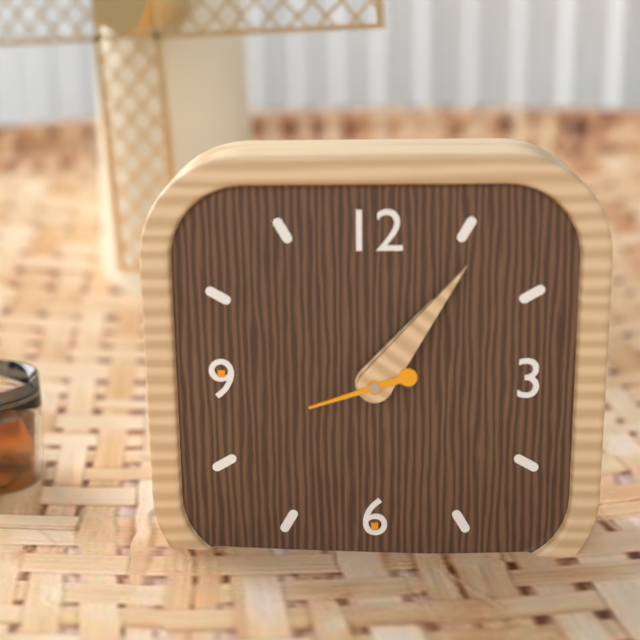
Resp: {"hour": 1, "minute": 6, "second": 42}
